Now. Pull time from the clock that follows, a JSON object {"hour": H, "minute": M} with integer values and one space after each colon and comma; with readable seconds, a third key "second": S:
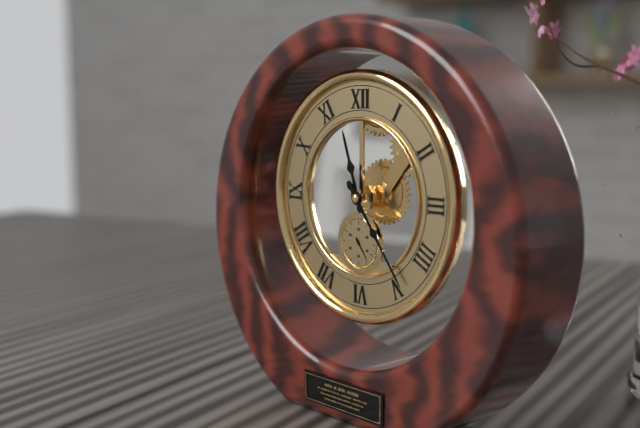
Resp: {"hour": 11, "minute": 24}
